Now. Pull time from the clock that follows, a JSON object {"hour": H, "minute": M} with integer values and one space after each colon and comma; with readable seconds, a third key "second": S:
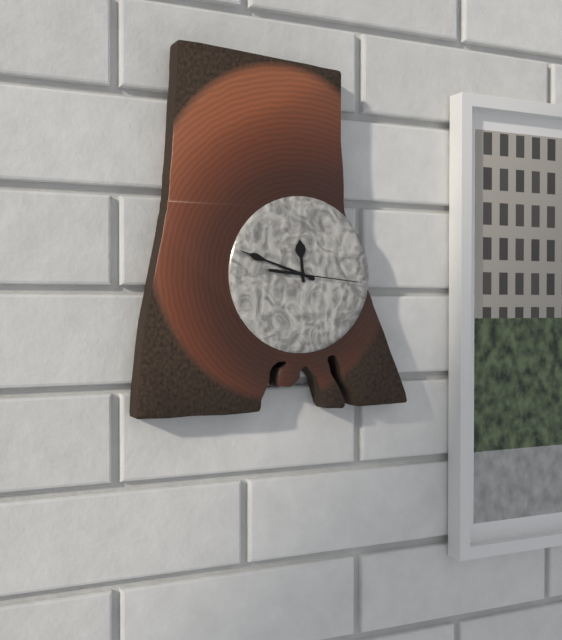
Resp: {"hour": 11, "minute": 48, "second": 16}
